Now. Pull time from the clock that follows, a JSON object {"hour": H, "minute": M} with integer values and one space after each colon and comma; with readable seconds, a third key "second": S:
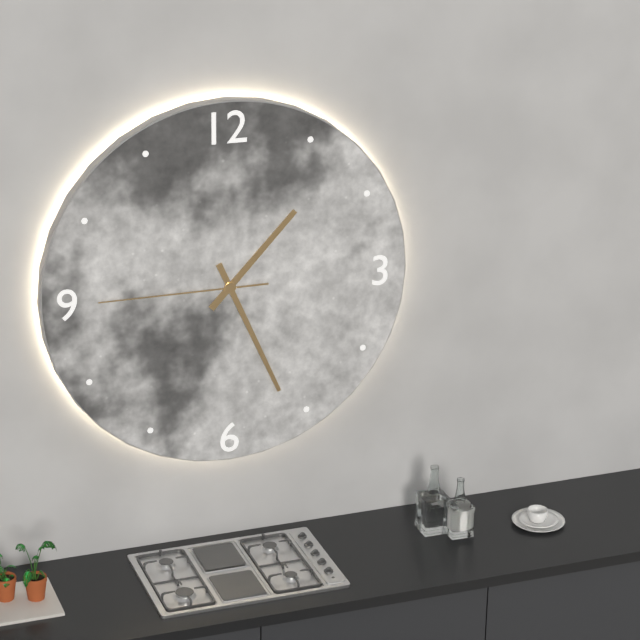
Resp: {"hour": 1, "minute": 26, "second": 45}
